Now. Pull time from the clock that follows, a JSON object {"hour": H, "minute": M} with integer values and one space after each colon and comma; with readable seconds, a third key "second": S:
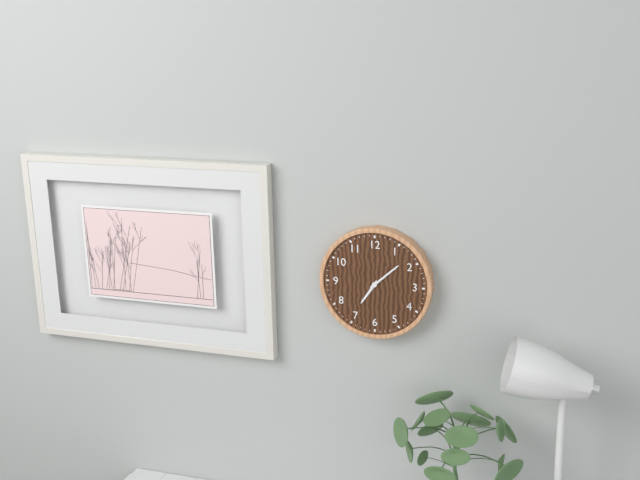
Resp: {"hour": 7, "minute": 8}
